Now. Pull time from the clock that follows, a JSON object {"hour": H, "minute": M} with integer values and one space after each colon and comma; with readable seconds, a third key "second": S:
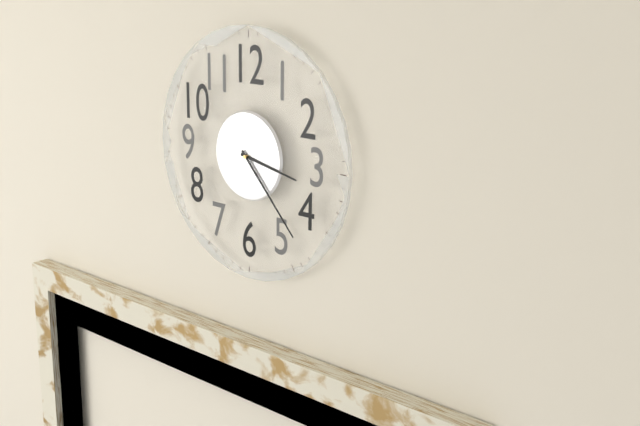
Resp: {"hour": 3, "minute": 23}
